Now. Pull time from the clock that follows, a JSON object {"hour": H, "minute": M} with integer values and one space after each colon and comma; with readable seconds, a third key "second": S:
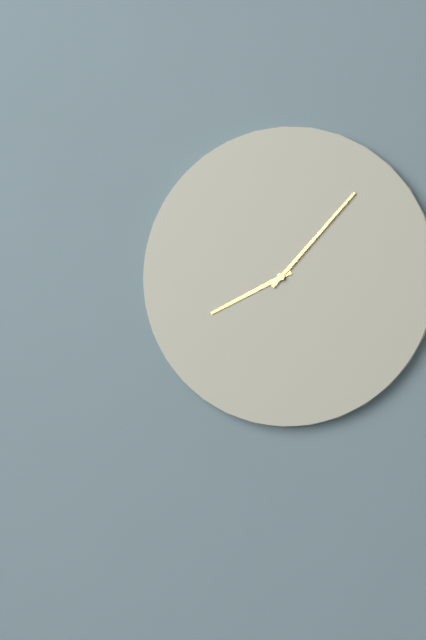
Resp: {"hour": 8, "minute": 7}
